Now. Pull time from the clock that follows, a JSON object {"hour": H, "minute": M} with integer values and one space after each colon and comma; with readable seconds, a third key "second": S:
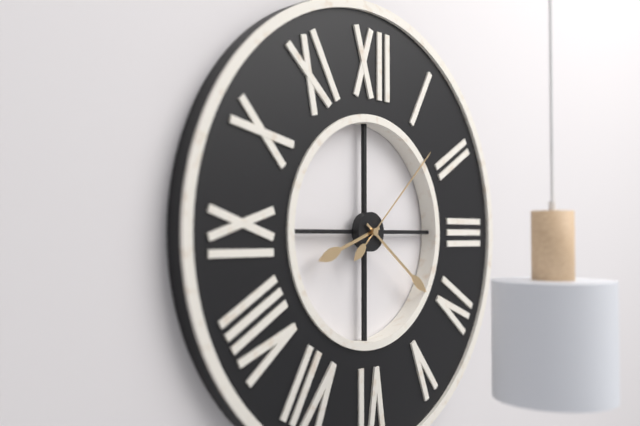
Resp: {"hour": 8, "minute": 21, "second": 8}
